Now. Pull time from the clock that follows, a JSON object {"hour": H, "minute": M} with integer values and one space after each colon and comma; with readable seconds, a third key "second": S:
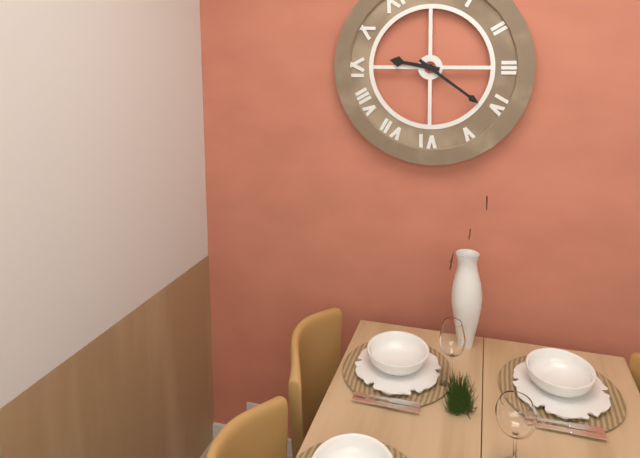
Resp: {"hour": 9, "minute": 21}
